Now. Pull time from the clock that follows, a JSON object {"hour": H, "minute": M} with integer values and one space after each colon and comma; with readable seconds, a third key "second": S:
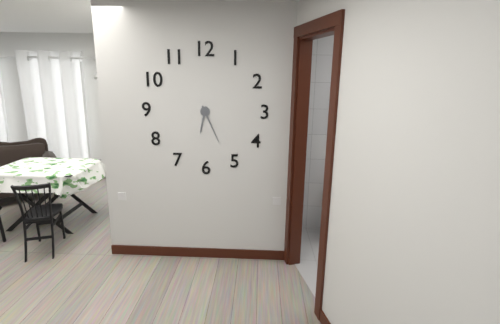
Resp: {"hour": 6, "minute": 26}
